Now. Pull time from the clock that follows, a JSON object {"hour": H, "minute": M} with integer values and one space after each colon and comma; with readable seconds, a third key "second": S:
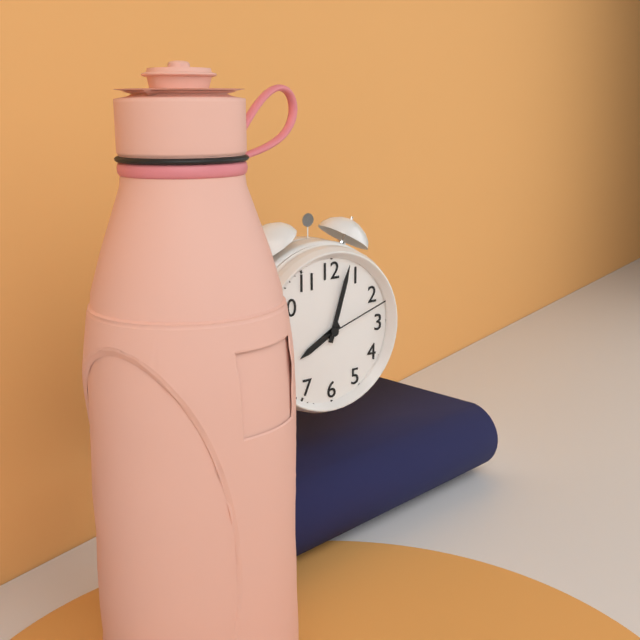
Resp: {"hour": 8, "minute": 3, "second": 12}
